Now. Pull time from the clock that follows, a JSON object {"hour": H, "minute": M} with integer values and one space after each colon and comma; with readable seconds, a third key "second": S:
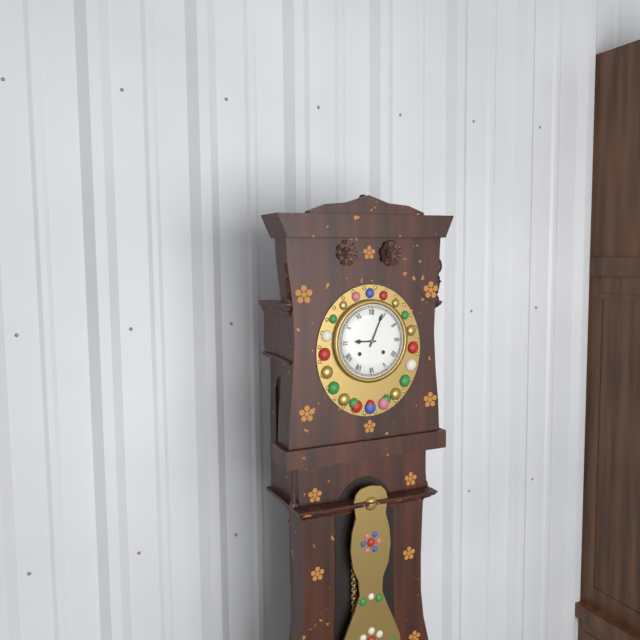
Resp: {"hour": 9, "minute": 4}
